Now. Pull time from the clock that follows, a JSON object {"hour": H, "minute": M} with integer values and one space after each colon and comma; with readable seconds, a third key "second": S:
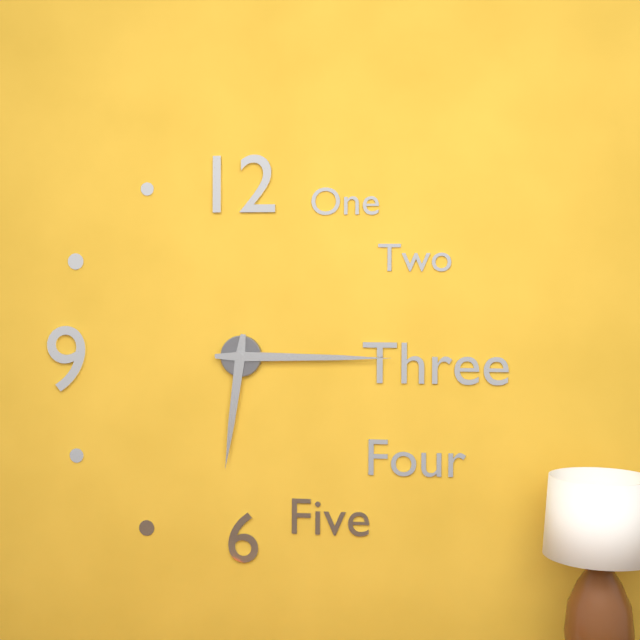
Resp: {"hour": 6, "minute": 15}
